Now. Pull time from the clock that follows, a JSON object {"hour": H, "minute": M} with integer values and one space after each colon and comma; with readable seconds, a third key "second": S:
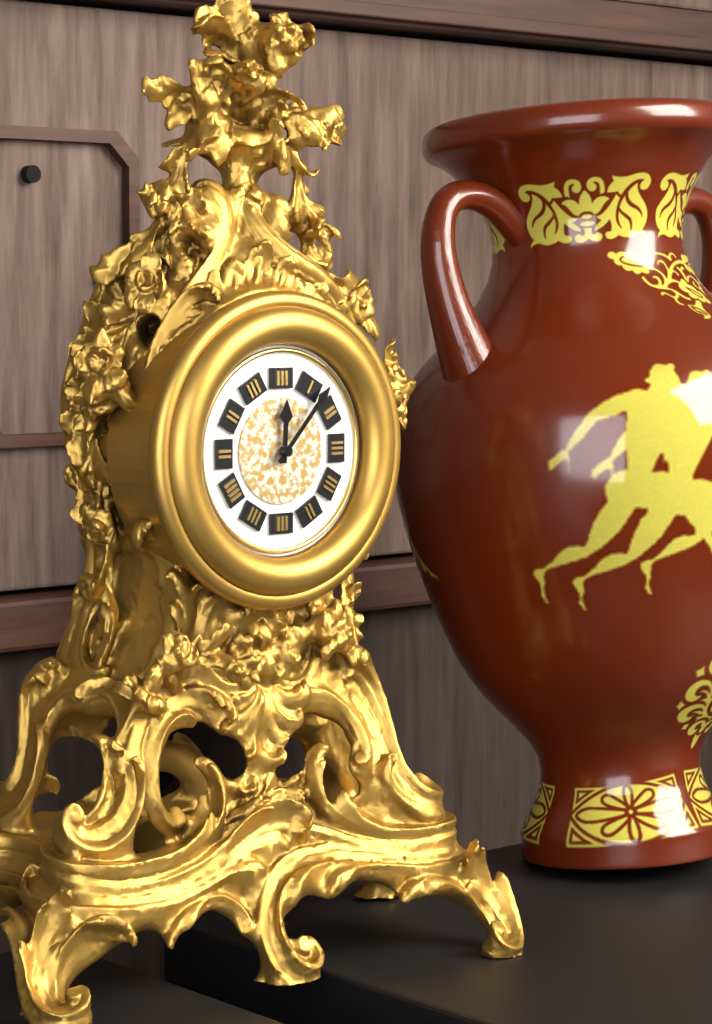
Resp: {"hour": 12, "minute": 7}
